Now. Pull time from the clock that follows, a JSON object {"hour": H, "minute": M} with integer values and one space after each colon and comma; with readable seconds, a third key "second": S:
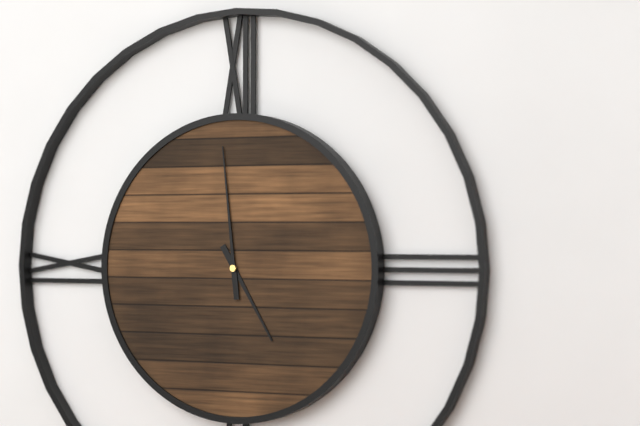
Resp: {"hour": 4, "minute": 59}
